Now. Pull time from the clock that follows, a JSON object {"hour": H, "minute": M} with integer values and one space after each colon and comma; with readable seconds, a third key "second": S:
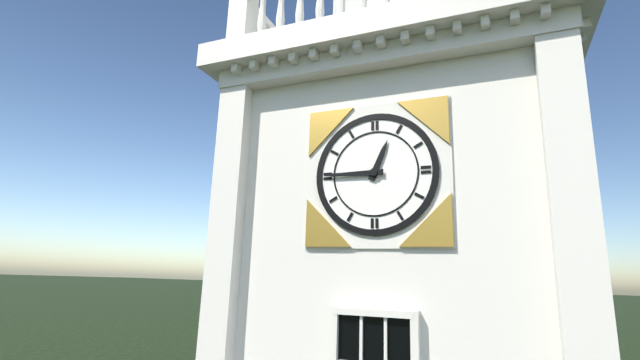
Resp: {"hour": 12, "minute": 45}
